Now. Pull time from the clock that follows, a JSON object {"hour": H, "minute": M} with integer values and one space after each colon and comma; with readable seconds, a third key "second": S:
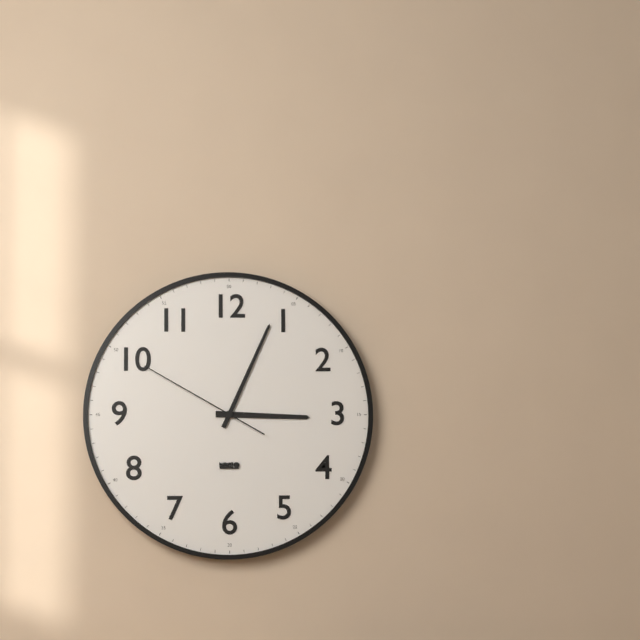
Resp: {"hour": 3, "minute": 4, "second": 50}
